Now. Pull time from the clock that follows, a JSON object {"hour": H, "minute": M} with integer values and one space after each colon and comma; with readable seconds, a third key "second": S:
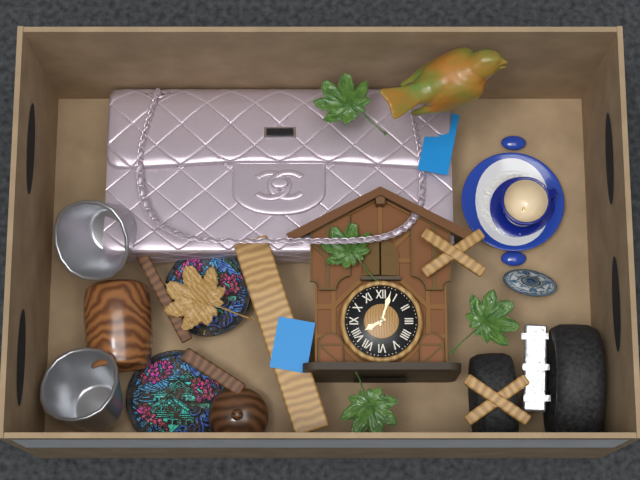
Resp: {"hour": 8, "minute": 3}
